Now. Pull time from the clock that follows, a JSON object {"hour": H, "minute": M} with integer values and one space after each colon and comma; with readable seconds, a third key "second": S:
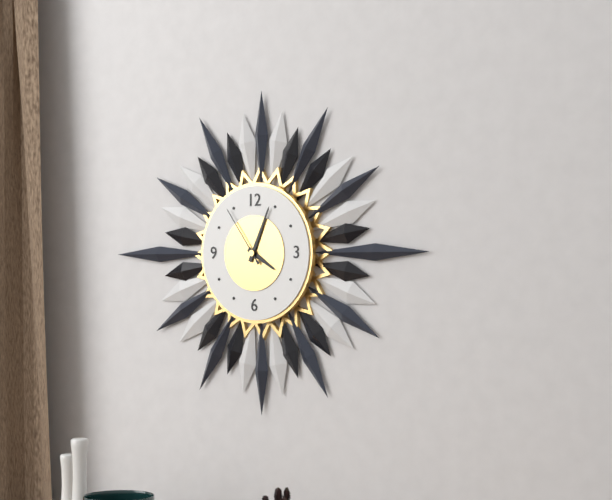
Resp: {"hour": 4, "minute": 4, "second": 54}
